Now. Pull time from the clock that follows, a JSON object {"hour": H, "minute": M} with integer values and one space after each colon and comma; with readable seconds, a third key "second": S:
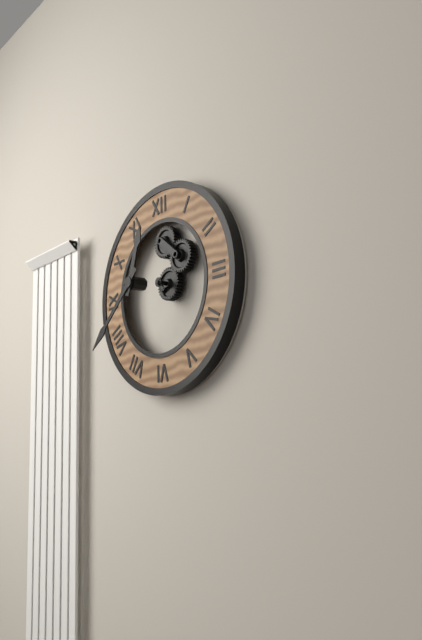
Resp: {"hour": 12, "minute": 38}
